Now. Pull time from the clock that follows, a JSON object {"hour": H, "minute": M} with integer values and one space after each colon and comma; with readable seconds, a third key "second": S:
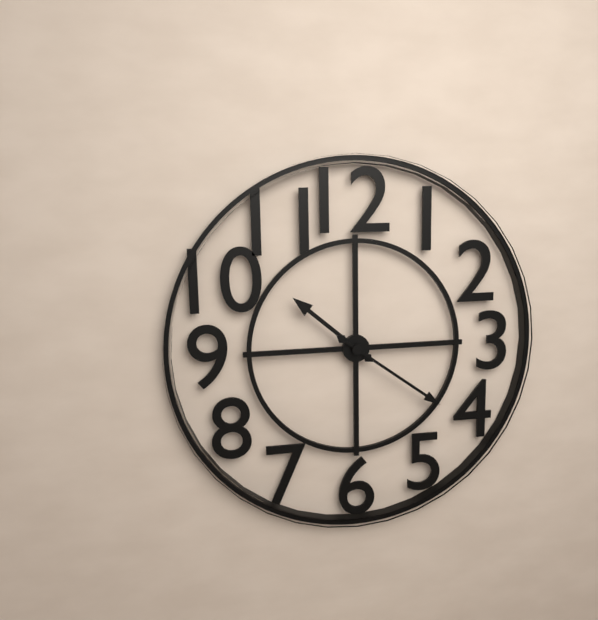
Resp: {"hour": 10, "minute": 21}
